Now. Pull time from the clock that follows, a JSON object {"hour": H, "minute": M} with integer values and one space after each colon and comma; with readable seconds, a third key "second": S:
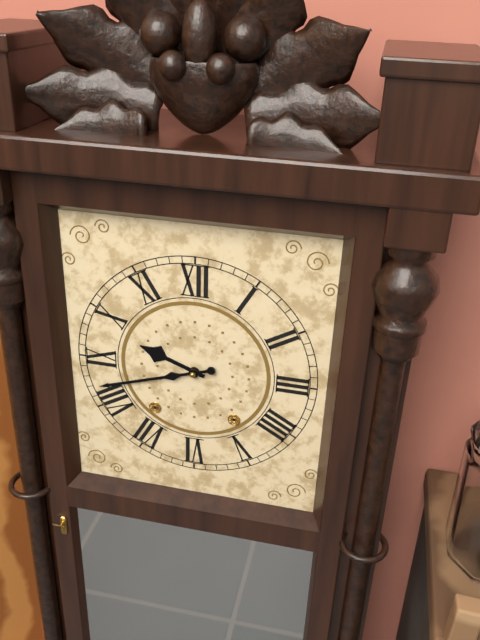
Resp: {"hour": 9, "minute": 42}
